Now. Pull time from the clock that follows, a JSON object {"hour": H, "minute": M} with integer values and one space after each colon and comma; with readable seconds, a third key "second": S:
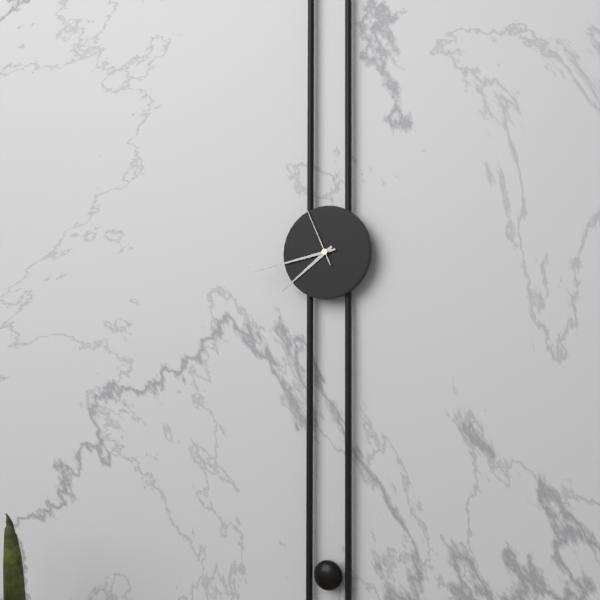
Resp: {"hour": 7, "minute": 43, "second": 56}
